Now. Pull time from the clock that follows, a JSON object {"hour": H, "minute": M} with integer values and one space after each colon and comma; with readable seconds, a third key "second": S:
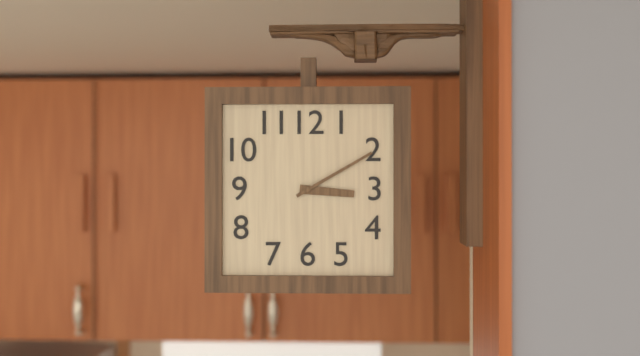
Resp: {"hour": 3, "minute": 10}
